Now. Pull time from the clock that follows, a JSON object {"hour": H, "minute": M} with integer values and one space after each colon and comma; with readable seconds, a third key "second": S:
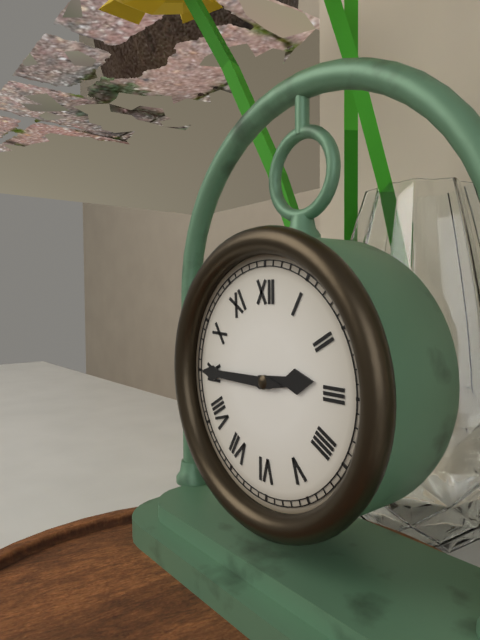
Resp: {"hour": 2, "minute": 45}
